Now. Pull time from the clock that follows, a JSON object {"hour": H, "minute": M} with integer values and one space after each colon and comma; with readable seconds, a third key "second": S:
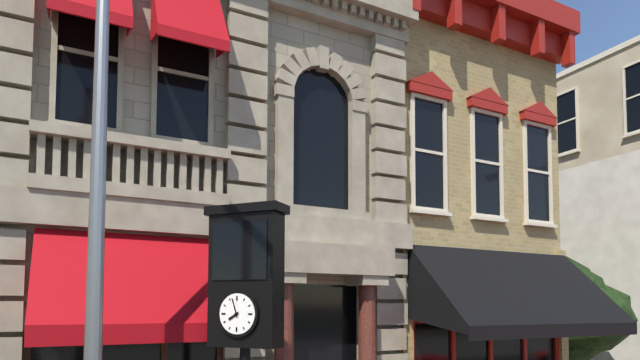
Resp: {"hour": 7, "minute": 57}
